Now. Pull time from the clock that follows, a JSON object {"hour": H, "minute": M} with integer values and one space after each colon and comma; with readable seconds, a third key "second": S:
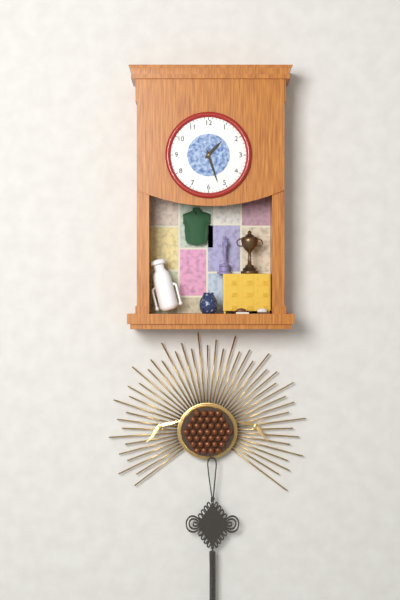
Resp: {"hour": 1, "minute": 27}
